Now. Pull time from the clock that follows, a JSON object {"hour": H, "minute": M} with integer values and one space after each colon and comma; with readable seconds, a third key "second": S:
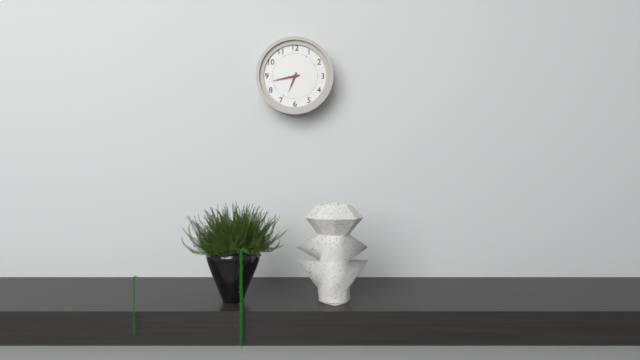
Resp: {"hour": 6, "minute": 43}
